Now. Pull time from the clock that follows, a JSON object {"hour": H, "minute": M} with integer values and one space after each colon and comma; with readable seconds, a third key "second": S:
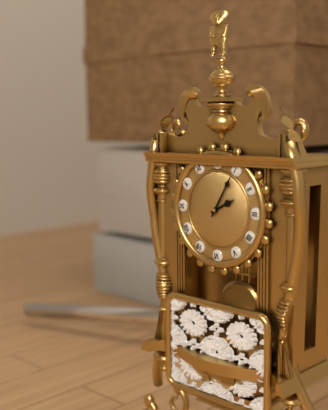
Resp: {"hour": 2, "minute": 5}
